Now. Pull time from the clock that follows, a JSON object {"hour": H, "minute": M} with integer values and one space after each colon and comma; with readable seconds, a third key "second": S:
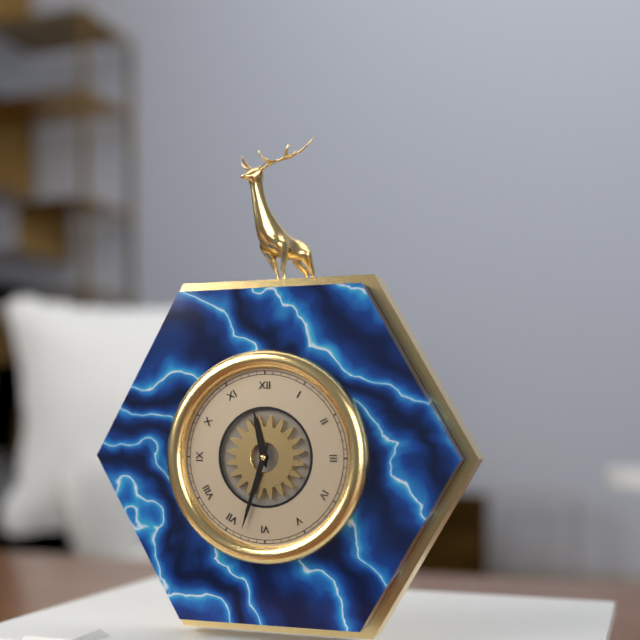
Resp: {"hour": 11, "minute": 33}
